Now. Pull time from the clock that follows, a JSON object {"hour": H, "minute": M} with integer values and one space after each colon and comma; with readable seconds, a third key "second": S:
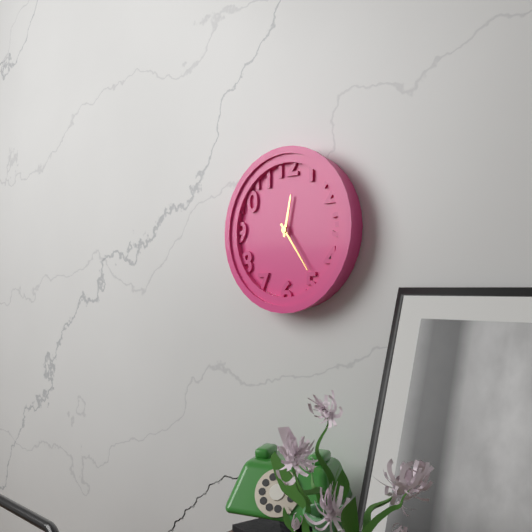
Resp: {"hour": 12, "minute": 24}
